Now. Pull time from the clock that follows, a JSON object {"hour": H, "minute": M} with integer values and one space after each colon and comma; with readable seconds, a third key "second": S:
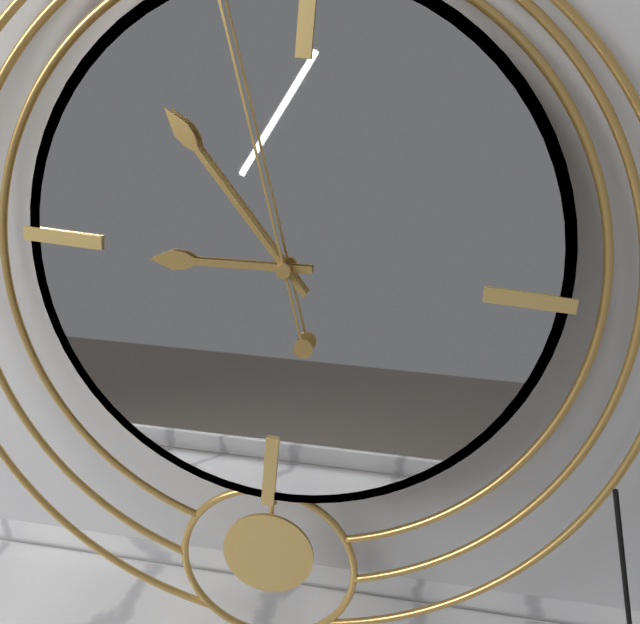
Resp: {"hour": 8, "minute": 53}
